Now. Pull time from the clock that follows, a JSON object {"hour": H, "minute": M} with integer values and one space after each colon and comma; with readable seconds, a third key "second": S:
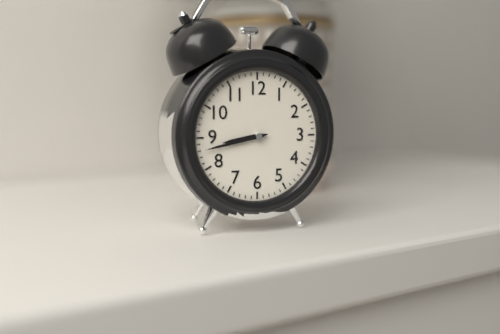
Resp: {"hour": 8, "minute": 43}
